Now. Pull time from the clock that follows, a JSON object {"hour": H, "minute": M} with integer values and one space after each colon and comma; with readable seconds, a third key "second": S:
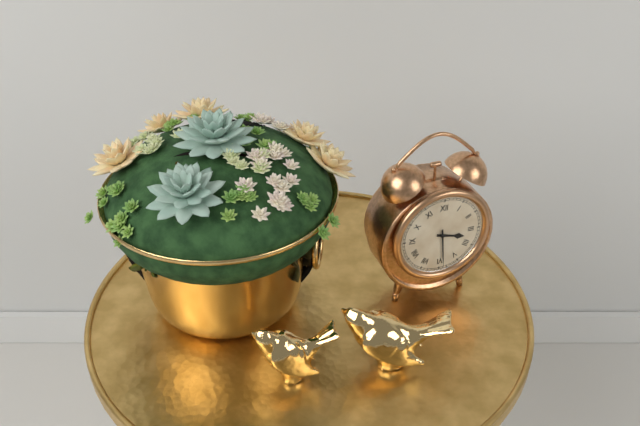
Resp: {"hour": 3, "minute": 29}
